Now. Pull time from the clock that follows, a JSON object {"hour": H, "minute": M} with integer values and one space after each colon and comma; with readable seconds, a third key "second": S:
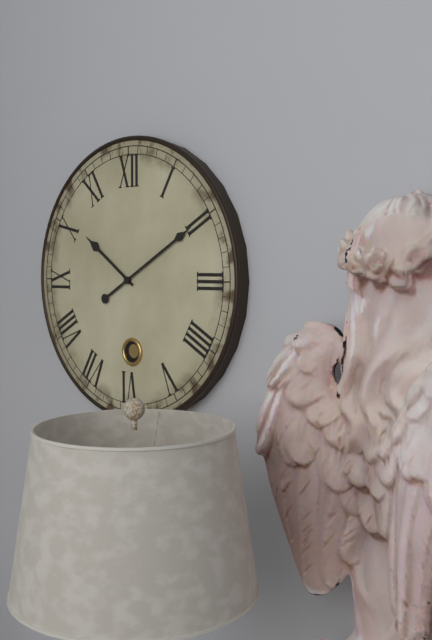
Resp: {"hour": 10, "minute": 10}
